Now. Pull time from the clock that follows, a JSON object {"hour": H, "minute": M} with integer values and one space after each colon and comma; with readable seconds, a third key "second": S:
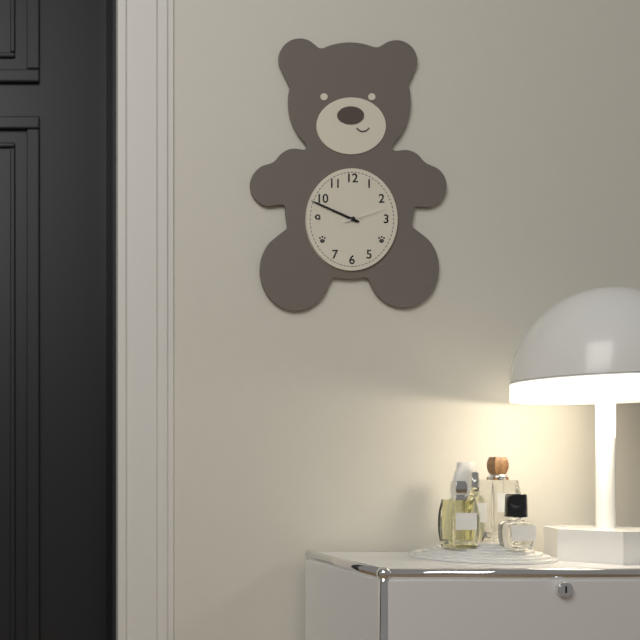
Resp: {"hour": 9, "minute": 49}
